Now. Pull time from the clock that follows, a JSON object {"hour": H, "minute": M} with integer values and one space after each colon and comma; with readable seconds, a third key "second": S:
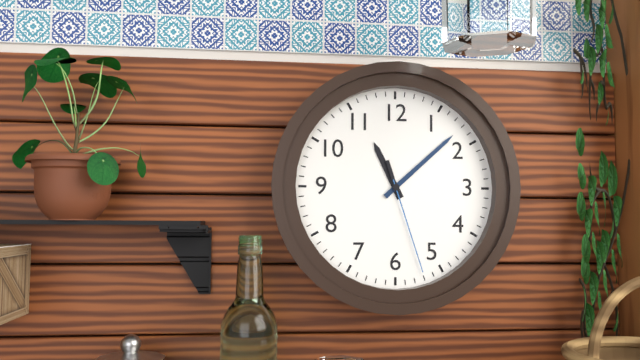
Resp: {"hour": 11, "minute": 8, "second": 27}
